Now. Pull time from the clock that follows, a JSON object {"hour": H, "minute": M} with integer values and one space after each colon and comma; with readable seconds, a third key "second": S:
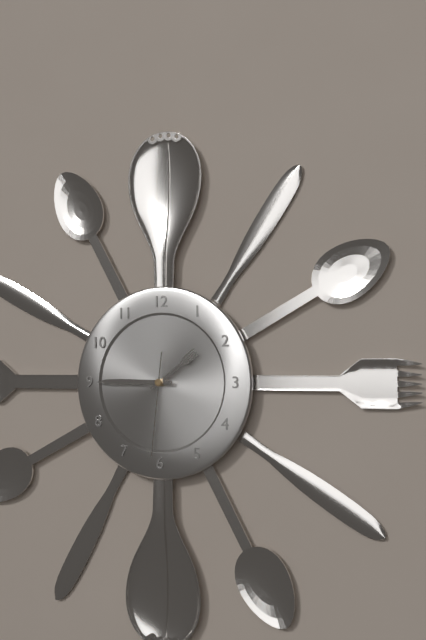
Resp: {"hour": 1, "minute": 45, "second": 31}
